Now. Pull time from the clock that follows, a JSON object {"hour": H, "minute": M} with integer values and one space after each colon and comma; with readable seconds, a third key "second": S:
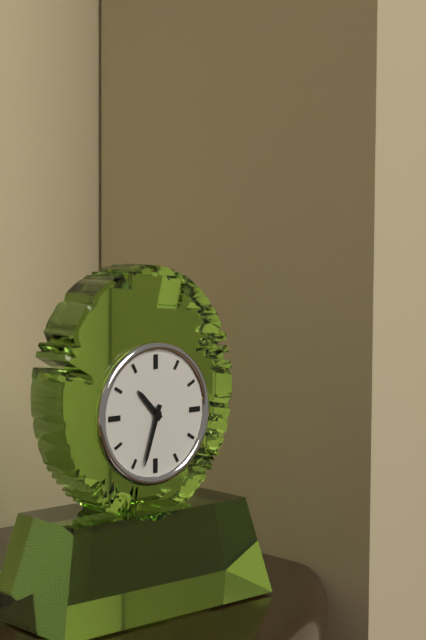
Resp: {"hour": 10, "minute": 33}
